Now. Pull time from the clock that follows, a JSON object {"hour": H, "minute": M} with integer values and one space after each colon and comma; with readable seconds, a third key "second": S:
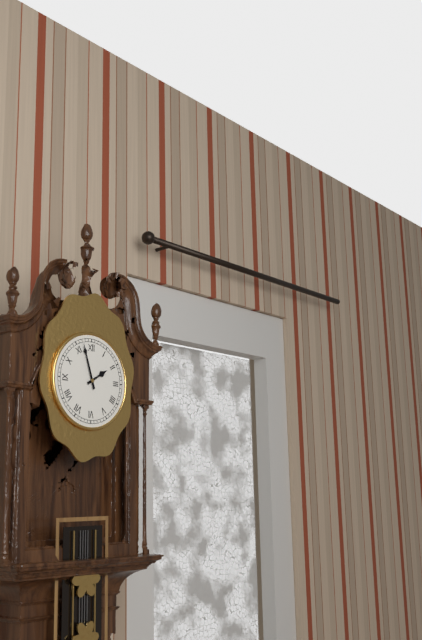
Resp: {"hour": 1, "minute": 57}
